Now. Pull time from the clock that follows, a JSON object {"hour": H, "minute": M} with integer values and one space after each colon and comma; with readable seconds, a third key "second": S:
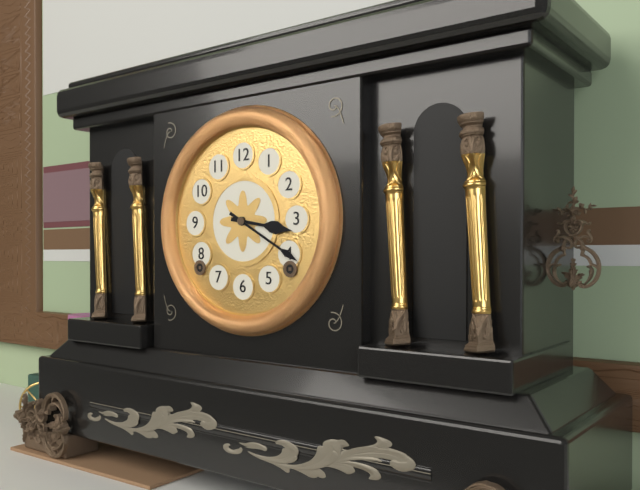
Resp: {"hour": 3, "minute": 20}
